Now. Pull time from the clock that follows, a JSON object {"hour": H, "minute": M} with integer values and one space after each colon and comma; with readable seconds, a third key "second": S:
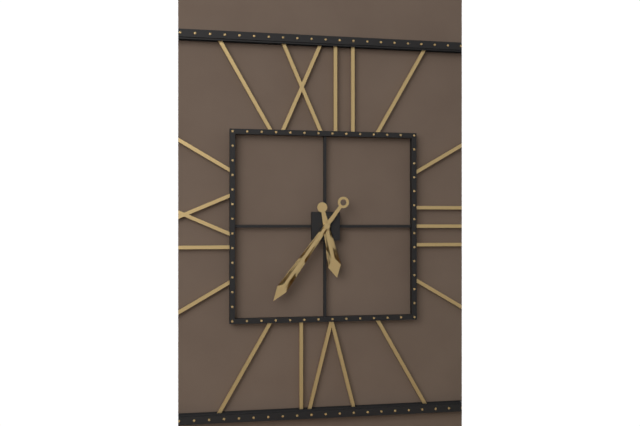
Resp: {"hour": 5, "minute": 36}
